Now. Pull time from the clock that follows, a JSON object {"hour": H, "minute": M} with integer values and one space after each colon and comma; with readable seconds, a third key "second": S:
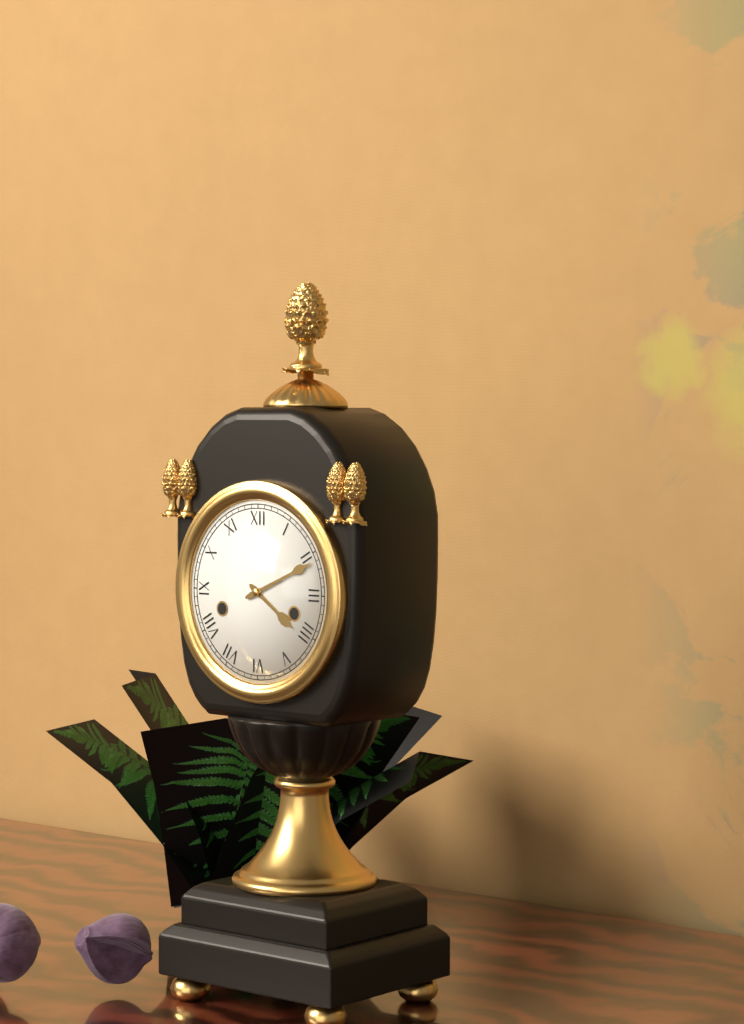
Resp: {"hour": 4, "minute": 11}
